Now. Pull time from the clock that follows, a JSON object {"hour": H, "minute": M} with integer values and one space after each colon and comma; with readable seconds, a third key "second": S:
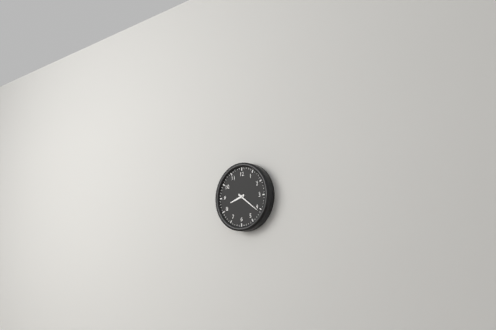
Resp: {"hour": 8, "minute": 21}
